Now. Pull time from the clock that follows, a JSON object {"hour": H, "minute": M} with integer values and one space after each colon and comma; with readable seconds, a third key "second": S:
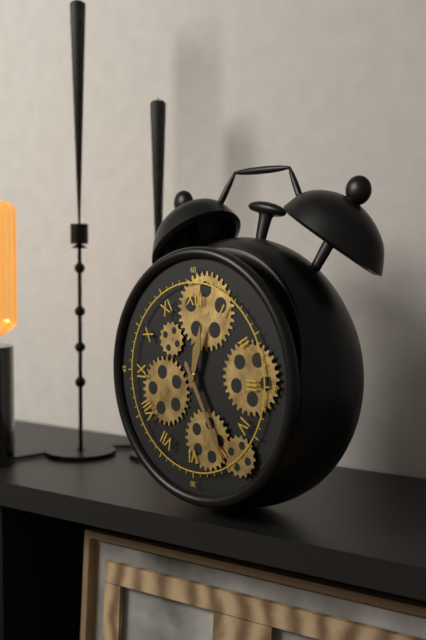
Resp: {"hour": 12, "minute": 25}
